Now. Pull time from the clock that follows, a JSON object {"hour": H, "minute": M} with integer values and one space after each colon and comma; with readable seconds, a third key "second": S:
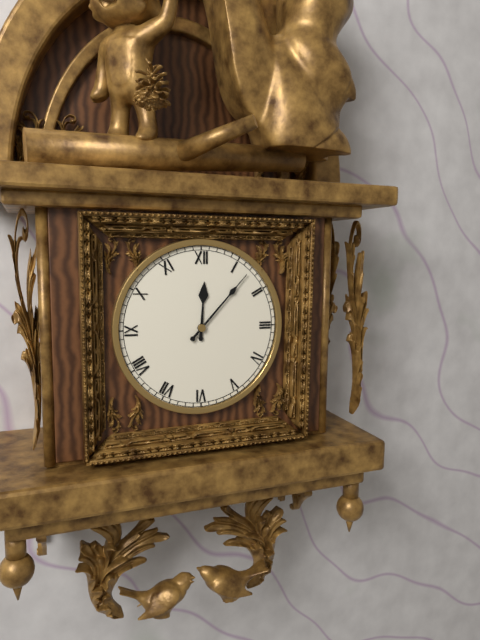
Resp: {"hour": 12, "minute": 7}
